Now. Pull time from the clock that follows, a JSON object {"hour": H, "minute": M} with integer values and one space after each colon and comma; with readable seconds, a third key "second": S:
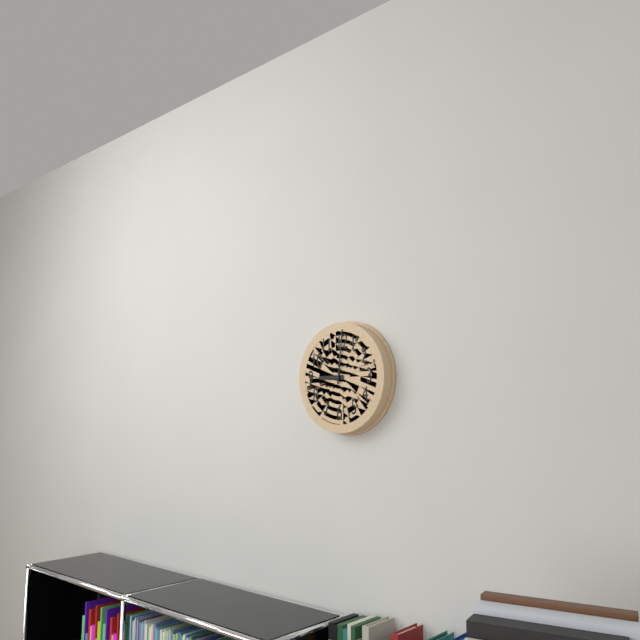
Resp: {"hour": 9, "minute": 1}
